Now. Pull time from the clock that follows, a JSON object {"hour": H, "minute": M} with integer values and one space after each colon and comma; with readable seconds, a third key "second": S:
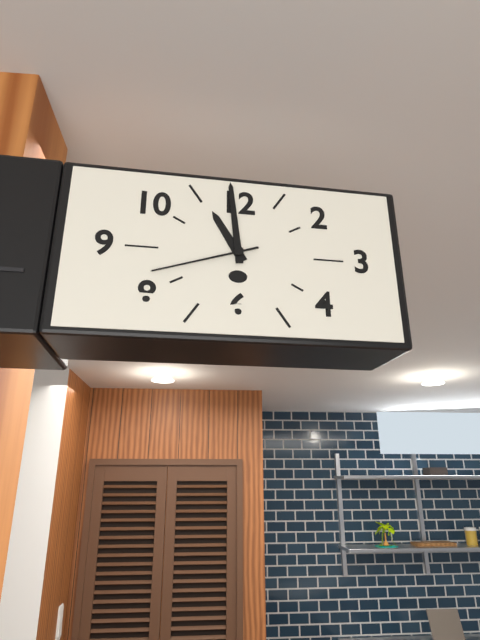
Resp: {"hour": 10, "minute": 59, "second": 42}
